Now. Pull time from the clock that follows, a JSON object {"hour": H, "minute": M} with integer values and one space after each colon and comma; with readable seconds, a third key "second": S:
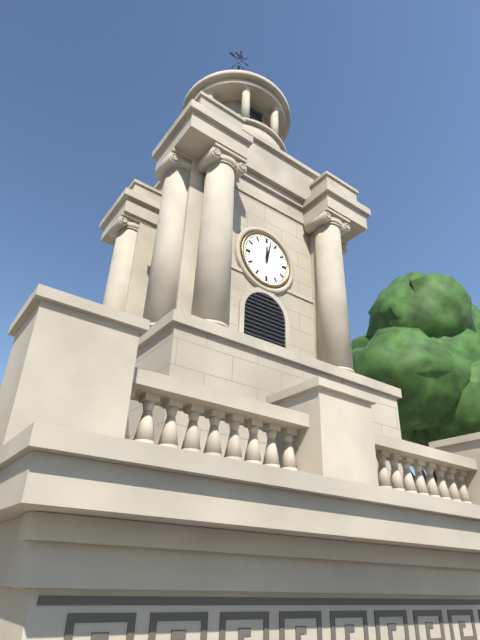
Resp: {"hour": 12, "minute": 2}
